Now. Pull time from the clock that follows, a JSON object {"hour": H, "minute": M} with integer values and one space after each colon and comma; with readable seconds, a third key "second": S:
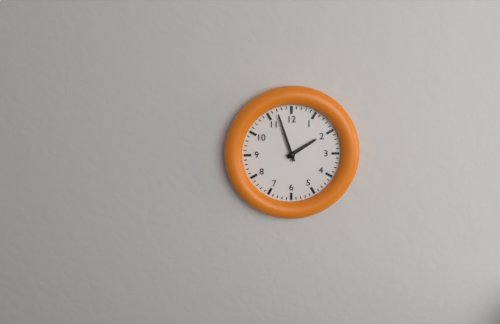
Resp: {"hour": 1, "minute": 57}
